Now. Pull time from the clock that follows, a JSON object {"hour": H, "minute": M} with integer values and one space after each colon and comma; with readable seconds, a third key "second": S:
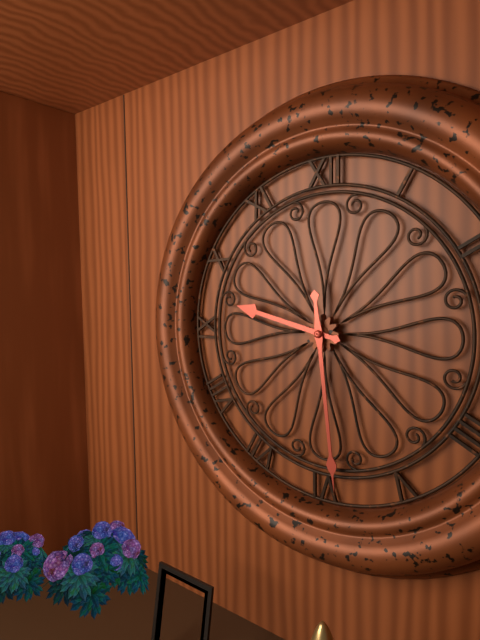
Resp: {"hour": 9, "minute": 29}
